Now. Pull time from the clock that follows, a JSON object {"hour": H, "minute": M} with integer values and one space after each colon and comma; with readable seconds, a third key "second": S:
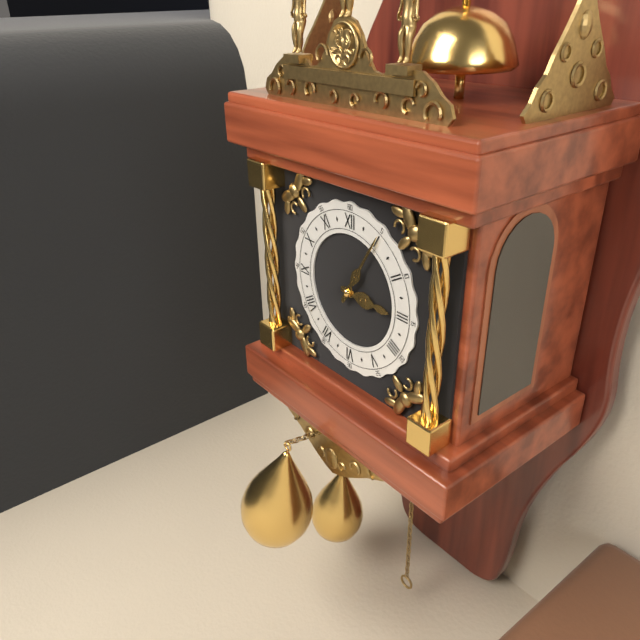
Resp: {"hour": 3, "minute": 5}
